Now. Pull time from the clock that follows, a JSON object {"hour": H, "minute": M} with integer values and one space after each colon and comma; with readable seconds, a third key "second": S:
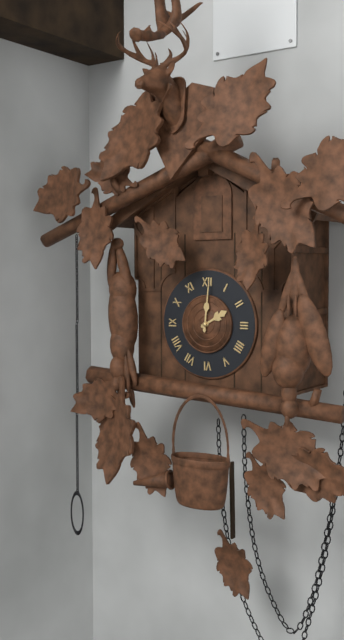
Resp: {"hour": 2, "minute": 1}
